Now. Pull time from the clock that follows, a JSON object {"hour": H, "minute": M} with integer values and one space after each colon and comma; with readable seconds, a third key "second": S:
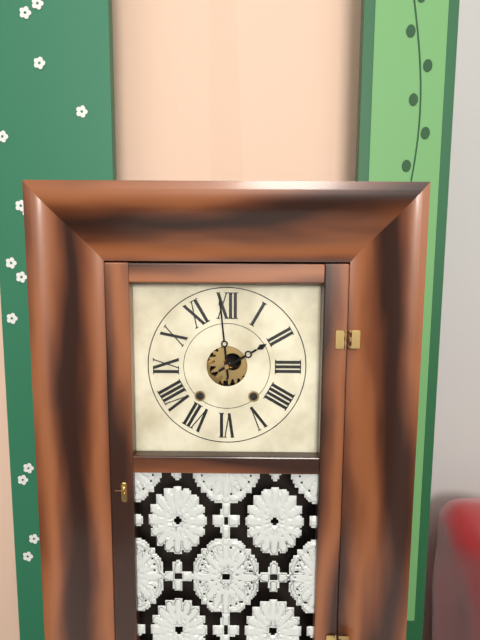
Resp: {"hour": 1, "minute": 59}
